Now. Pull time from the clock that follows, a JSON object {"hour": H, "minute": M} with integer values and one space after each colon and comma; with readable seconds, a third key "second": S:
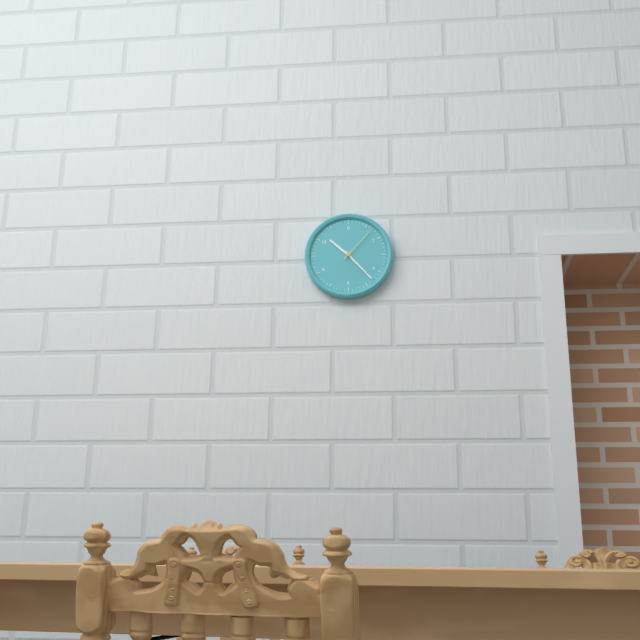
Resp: {"hour": 10, "minute": 23}
